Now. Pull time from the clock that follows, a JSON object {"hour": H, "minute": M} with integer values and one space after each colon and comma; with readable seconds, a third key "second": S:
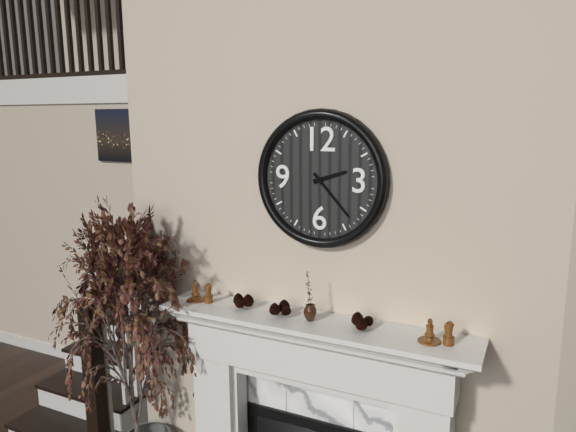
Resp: {"hour": 2, "minute": 23}
